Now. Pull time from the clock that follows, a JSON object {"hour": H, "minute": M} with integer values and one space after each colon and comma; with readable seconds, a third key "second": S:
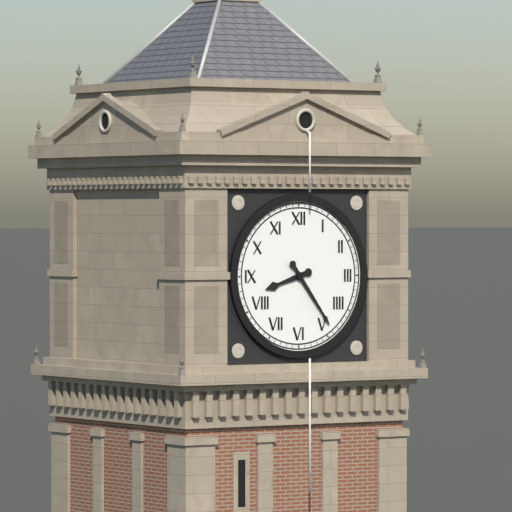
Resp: {"hour": 8, "minute": 24}
